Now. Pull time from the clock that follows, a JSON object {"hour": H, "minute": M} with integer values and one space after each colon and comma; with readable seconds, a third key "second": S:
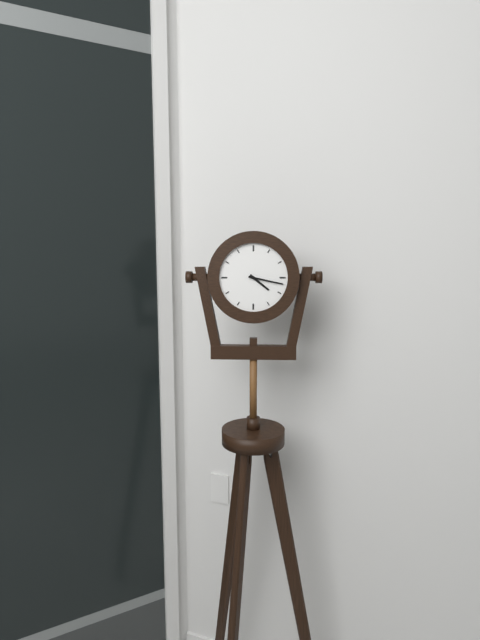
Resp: {"hour": 4, "minute": 17}
